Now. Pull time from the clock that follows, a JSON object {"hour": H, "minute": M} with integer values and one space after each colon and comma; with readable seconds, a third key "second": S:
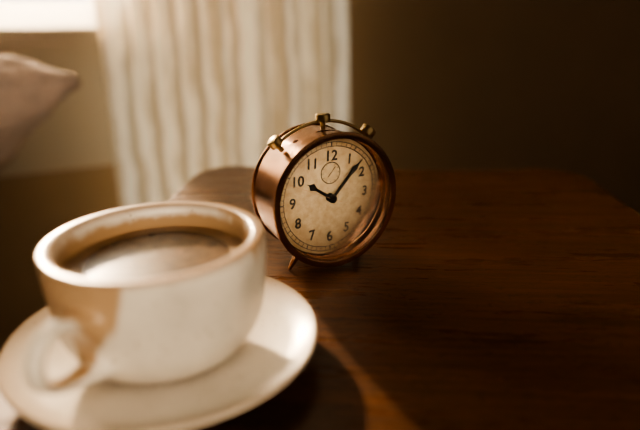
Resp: {"hour": 10, "minute": 7, "second": 49}
